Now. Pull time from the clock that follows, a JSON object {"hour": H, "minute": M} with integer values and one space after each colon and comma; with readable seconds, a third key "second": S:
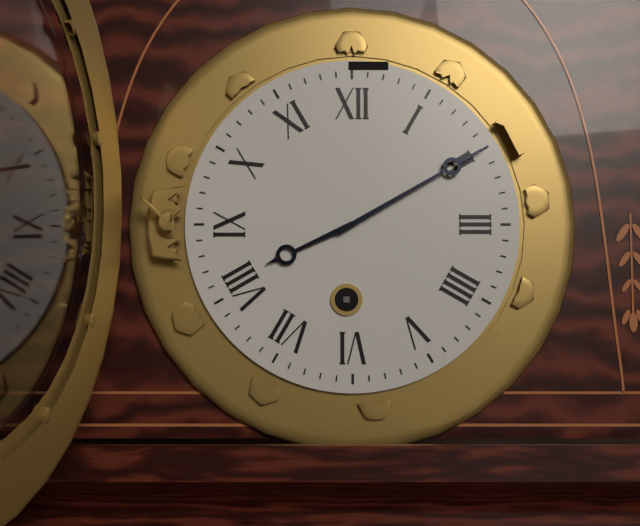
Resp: {"hour": 8, "minute": 10}
